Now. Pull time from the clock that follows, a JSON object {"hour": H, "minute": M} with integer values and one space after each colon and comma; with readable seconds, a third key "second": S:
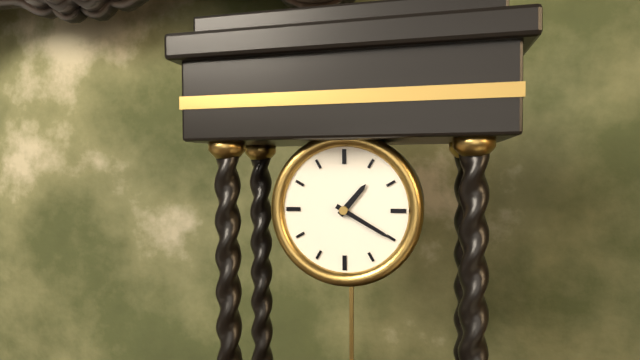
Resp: {"hour": 1, "minute": 20}
